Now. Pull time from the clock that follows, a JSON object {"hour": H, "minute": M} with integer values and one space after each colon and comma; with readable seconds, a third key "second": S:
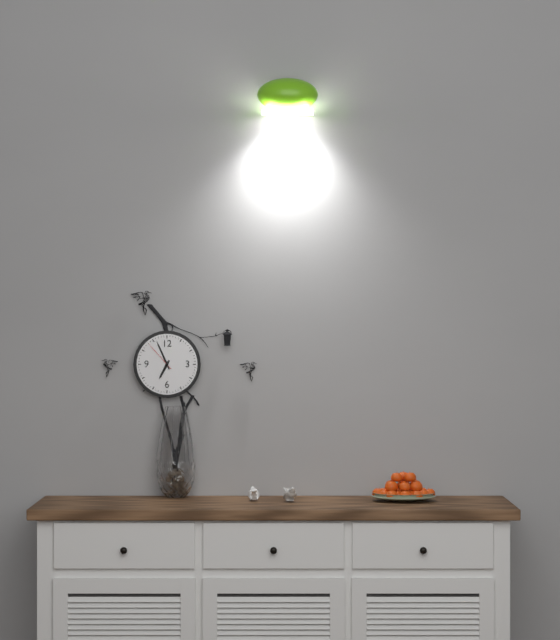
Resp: {"hour": 6, "minute": 56}
